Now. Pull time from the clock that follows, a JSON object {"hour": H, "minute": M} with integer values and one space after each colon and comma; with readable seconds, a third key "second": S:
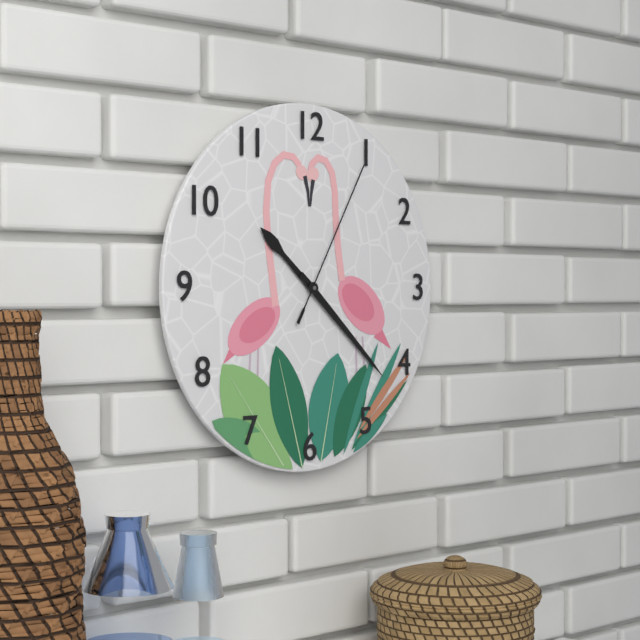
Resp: {"hour": 10, "minute": 22, "second": 5}
